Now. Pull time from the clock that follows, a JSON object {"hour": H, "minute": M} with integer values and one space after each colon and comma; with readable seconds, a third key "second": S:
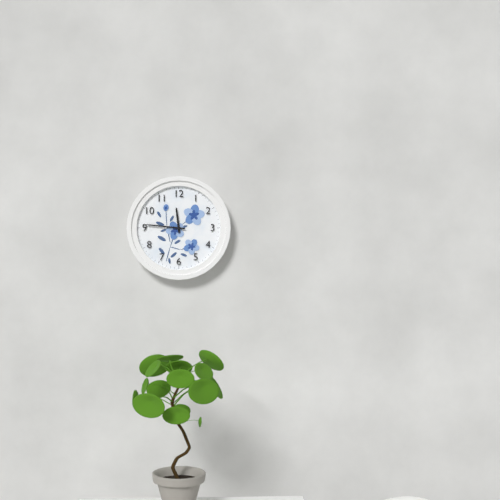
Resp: {"hour": 11, "minute": 46}
